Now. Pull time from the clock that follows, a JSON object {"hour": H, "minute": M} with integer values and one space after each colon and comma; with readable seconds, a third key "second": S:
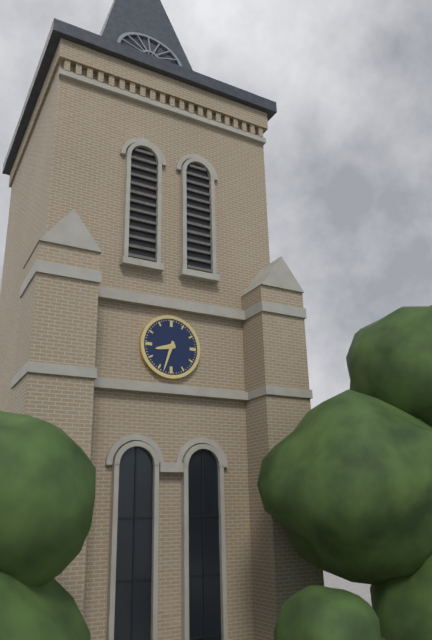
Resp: {"hour": 8, "minute": 33}
